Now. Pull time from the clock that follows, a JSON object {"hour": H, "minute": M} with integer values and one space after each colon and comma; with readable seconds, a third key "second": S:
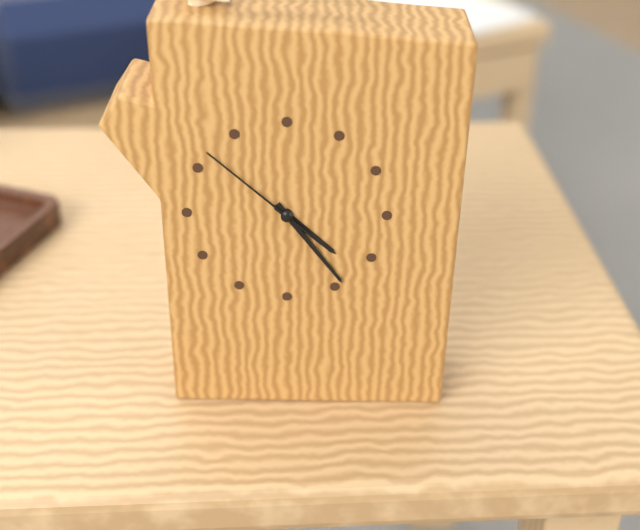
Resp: {"hour": 4, "minute": 24, "second": 52}
